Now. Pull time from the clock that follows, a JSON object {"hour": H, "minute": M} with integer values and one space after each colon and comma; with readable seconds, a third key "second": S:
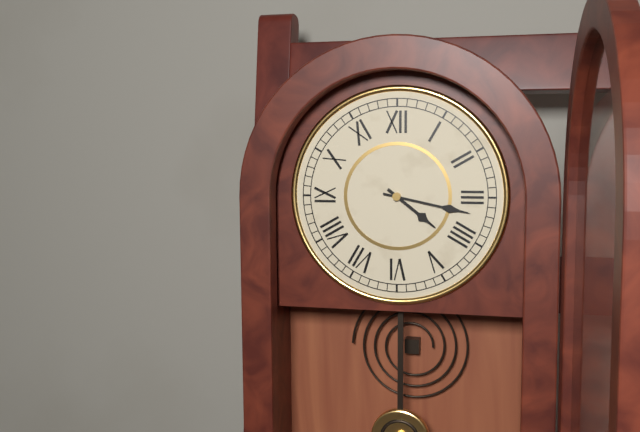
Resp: {"hour": 4, "minute": 17}
